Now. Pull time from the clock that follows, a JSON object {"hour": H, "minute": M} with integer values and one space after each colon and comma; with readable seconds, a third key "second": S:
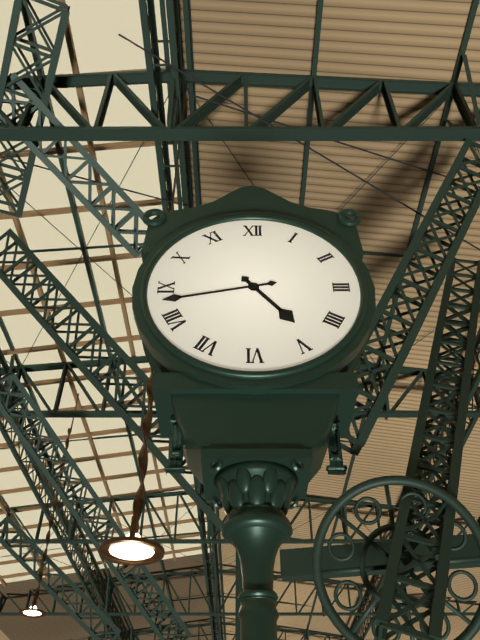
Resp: {"hour": 4, "minute": 43}
